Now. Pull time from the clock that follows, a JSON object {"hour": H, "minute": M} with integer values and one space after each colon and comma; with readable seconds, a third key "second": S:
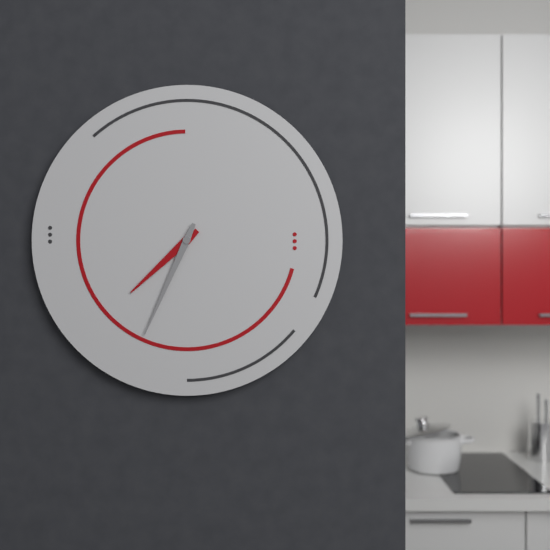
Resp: {"hour": 7, "minute": 34}
